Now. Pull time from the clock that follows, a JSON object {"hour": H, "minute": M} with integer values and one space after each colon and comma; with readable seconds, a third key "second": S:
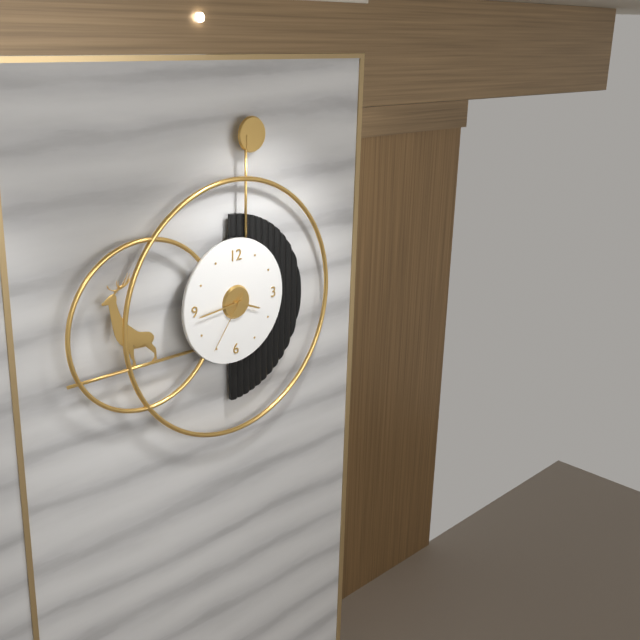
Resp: {"hour": 3, "minute": 44, "second": 36}
